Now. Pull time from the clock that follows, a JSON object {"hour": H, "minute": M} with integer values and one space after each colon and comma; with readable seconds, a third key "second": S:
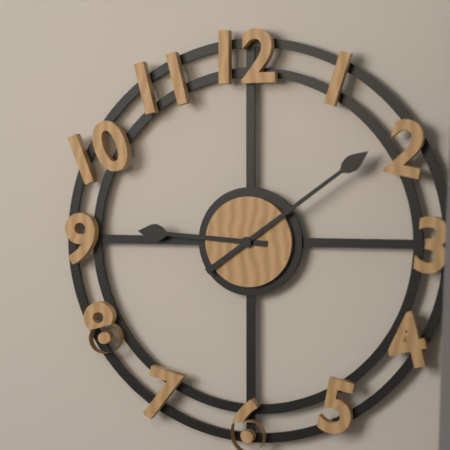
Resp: {"hour": 9, "minute": 9}
